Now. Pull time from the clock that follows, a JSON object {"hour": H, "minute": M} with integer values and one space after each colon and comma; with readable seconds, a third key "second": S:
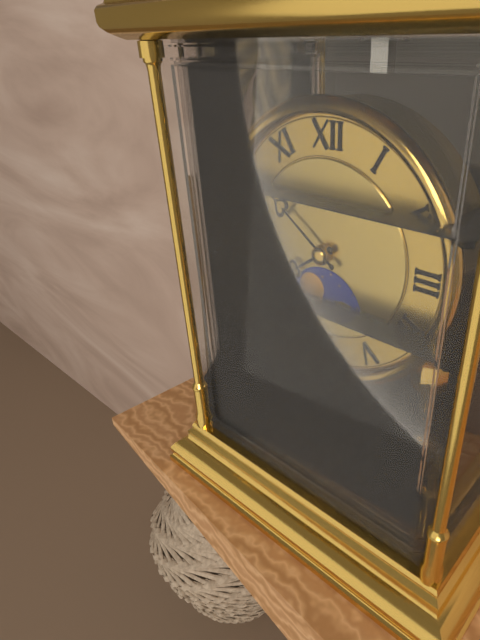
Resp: {"hour": 7, "minute": 51}
